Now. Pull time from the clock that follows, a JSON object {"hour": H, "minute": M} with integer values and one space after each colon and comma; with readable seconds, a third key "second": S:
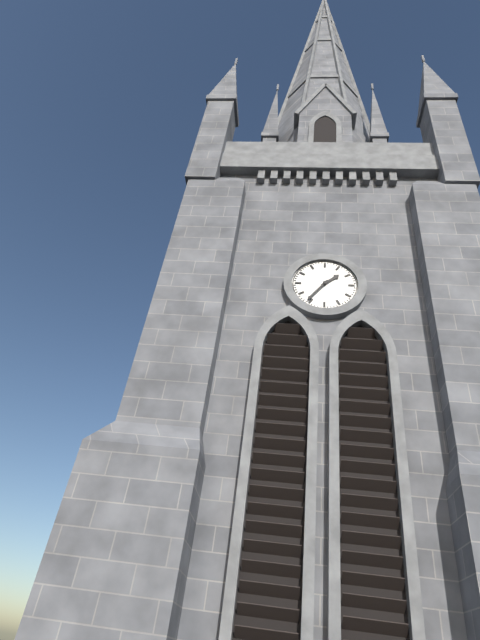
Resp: {"hour": 1, "minute": 36}
